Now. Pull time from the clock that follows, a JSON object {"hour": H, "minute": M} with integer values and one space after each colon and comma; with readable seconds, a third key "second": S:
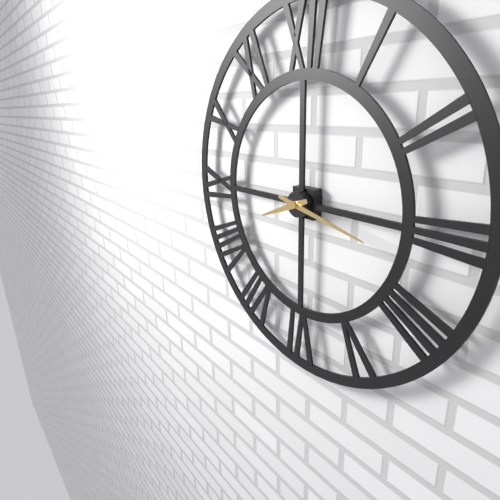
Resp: {"hour": 8, "minute": 17}
